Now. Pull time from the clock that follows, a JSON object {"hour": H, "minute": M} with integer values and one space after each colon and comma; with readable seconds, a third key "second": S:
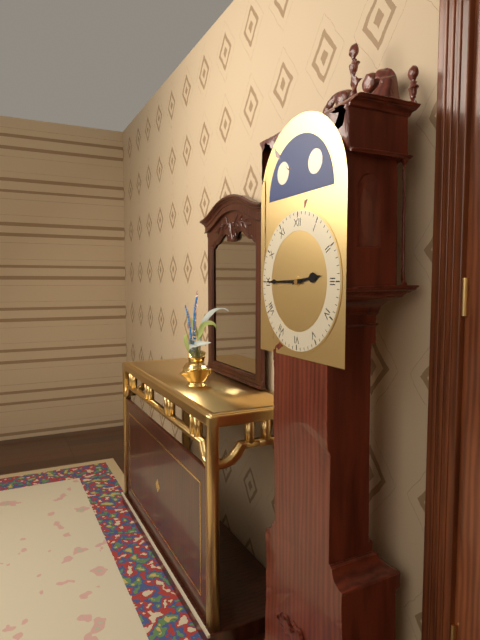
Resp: {"hour": 2, "minute": 45}
